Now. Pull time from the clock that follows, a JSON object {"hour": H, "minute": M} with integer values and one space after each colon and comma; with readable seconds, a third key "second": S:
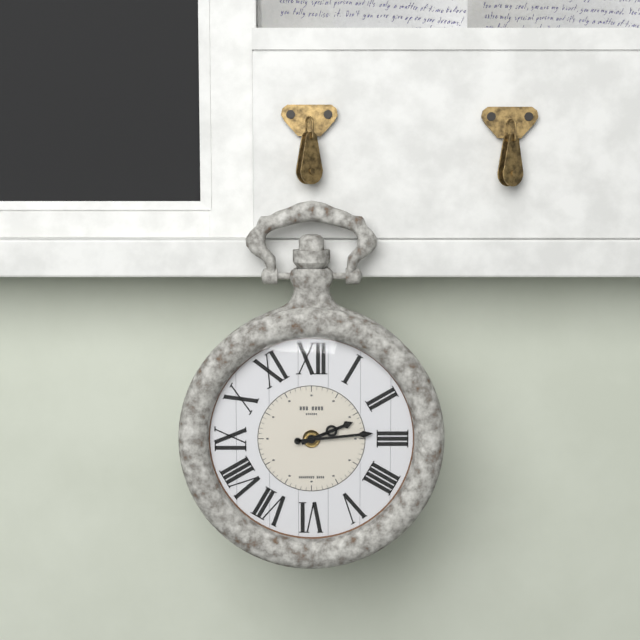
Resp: {"hour": 2, "minute": 14}
